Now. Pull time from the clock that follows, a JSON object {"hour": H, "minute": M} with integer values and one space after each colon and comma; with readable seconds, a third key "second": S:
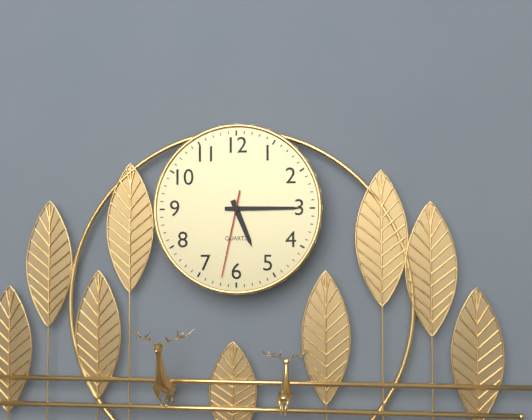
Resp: {"hour": 5, "minute": 15, "second": 32}
